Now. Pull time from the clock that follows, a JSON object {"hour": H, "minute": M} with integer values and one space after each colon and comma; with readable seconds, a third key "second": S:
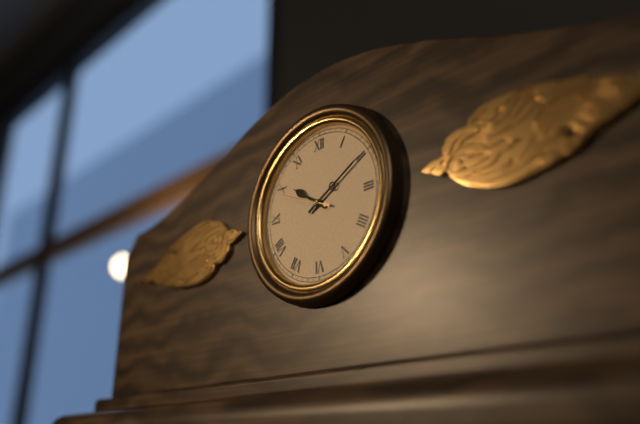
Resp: {"hour": 10, "minute": 10, "second": 49}
